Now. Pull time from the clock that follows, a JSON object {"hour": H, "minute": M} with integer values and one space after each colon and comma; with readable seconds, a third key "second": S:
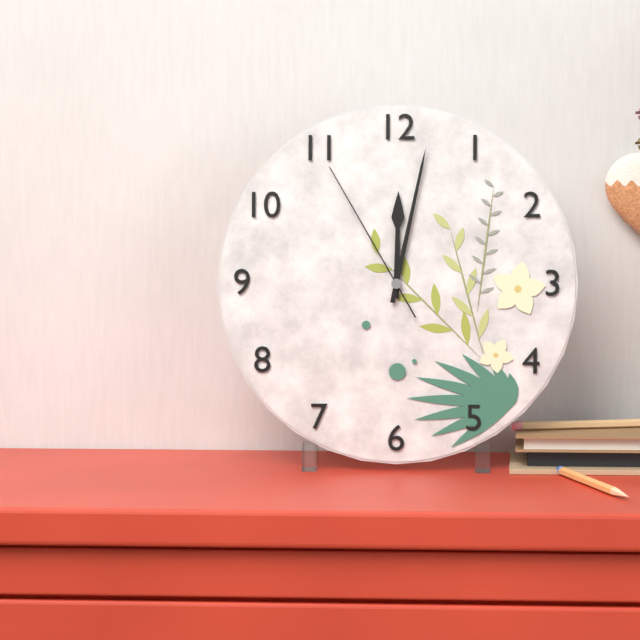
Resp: {"hour": 12, "minute": 2, "second": 55}
